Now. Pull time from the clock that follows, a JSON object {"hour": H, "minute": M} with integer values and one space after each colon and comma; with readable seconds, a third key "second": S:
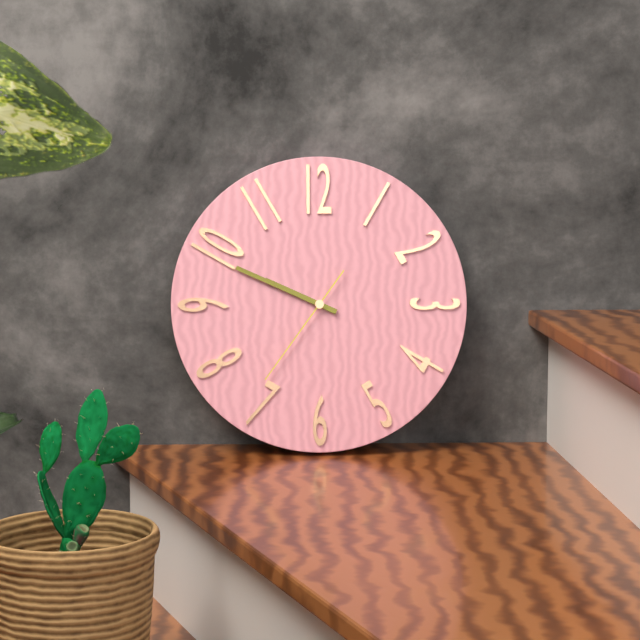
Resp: {"hour": 9, "minute": 49, "second": 36}
